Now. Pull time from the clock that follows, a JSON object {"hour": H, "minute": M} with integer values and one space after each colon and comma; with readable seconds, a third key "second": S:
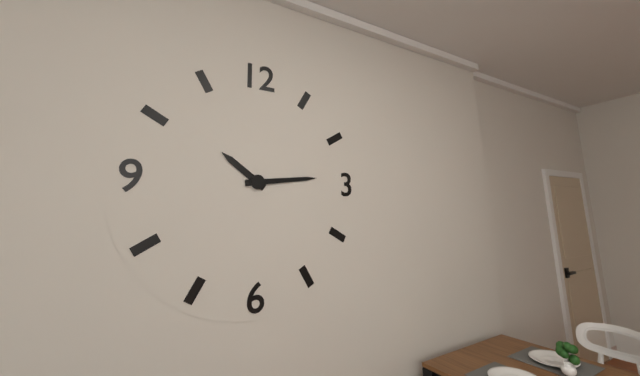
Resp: {"hour": 10, "minute": 14}
